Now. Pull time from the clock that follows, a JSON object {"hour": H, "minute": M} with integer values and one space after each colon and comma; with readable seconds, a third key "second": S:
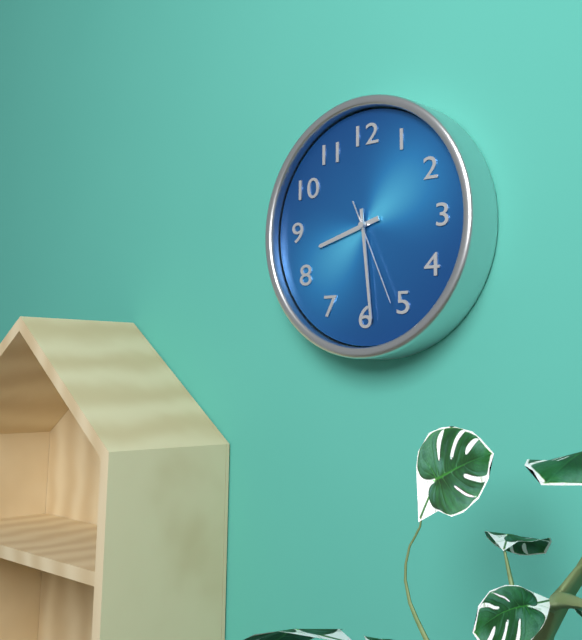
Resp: {"hour": 8, "minute": 29, "second": 26}
